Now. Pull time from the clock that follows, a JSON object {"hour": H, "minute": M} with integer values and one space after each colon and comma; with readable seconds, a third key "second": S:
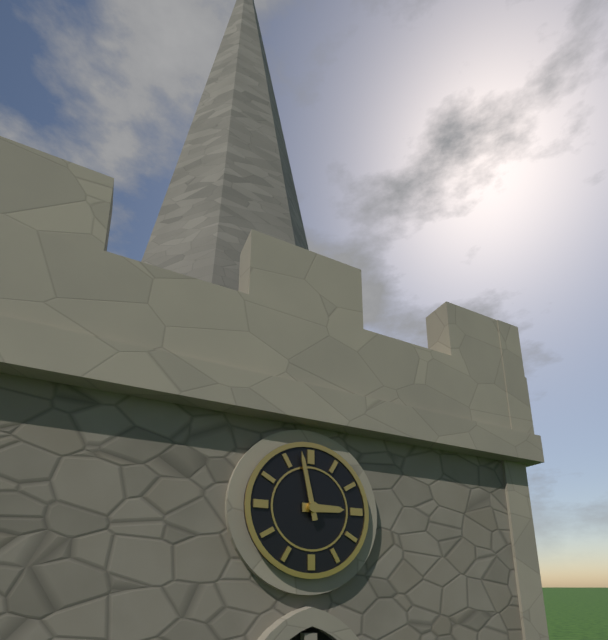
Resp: {"hour": 2, "minute": 58}
